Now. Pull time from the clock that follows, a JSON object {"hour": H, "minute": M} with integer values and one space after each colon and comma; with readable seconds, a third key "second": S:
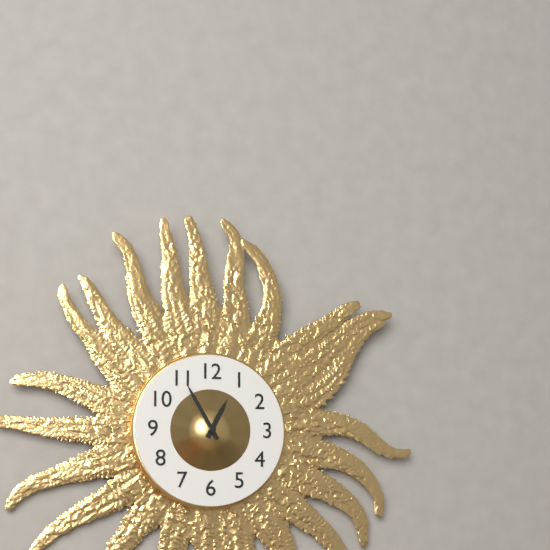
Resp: {"hour": 12, "minute": 55}
